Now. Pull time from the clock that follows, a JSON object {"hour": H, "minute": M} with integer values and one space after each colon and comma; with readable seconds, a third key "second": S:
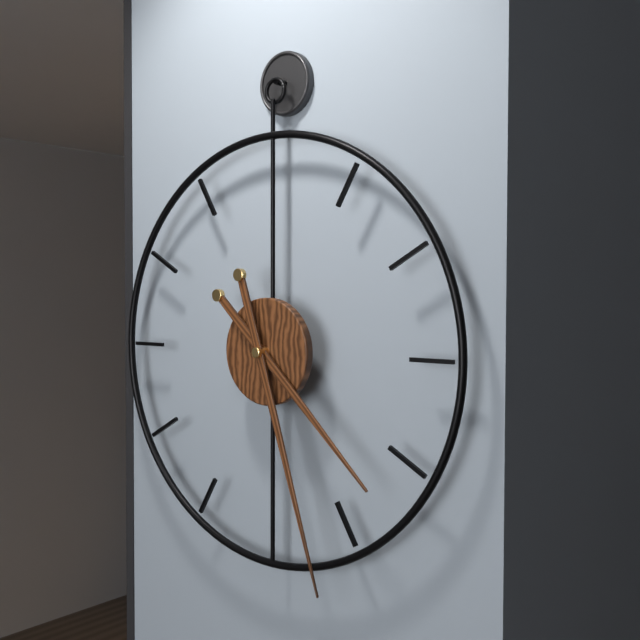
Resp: {"hour": 4, "minute": 27}
